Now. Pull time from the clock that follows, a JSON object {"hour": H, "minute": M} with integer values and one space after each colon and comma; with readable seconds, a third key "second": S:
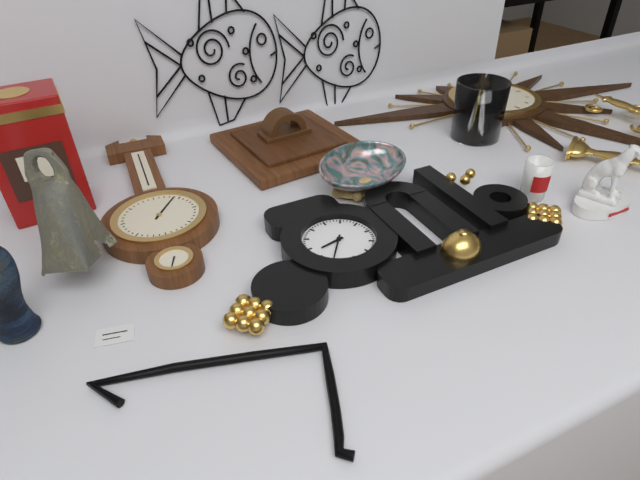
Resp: {"hour": 8, "minute": 36}
